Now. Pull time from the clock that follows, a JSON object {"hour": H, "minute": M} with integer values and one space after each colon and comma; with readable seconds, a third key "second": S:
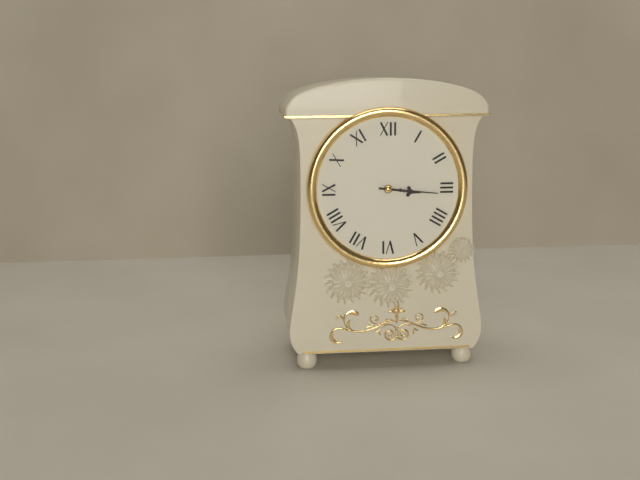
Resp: {"hour": 3, "minute": 16}
